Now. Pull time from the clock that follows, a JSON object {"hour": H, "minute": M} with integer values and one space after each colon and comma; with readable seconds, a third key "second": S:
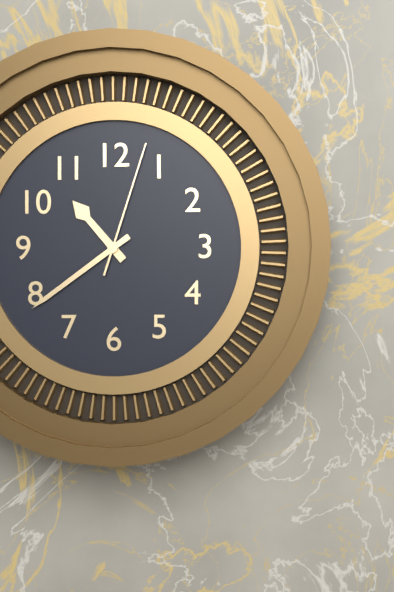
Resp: {"hour": 10, "minute": 39, "second": 3}
